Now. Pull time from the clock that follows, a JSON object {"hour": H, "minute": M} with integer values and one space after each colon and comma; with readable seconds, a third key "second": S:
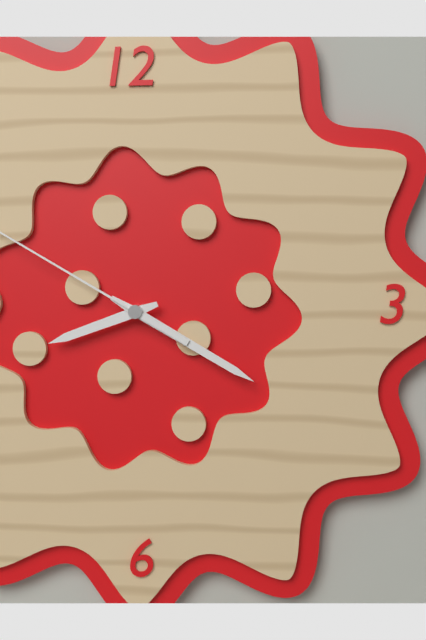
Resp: {"hour": 8, "minute": 20}
